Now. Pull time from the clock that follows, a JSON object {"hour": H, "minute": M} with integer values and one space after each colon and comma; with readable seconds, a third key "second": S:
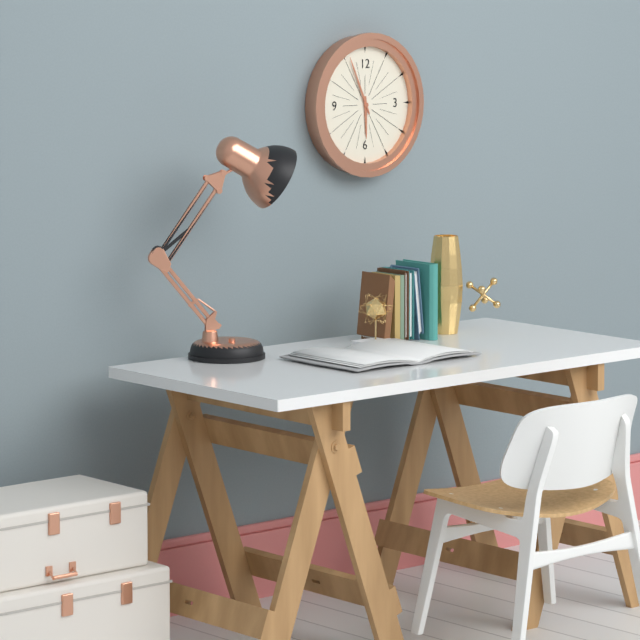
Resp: {"hour": 5, "minute": 56}
